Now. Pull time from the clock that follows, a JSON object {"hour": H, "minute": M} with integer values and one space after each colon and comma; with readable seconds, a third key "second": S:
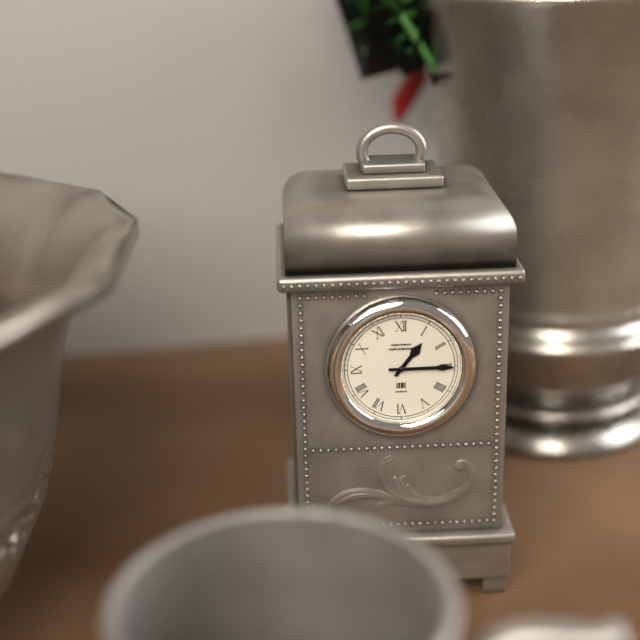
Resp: {"hour": 1, "minute": 15}
